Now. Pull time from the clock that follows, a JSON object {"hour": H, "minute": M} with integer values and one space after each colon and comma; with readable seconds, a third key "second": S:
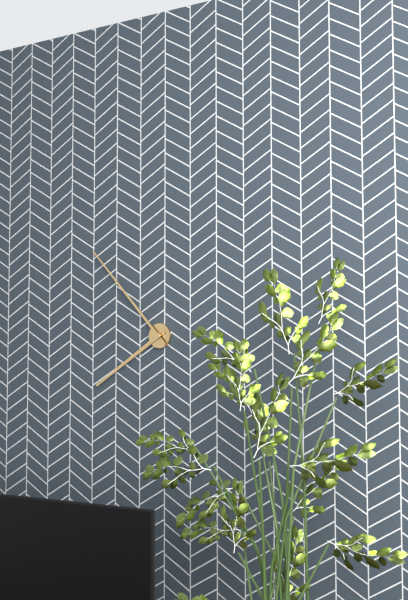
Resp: {"hour": 7, "minute": 53}
